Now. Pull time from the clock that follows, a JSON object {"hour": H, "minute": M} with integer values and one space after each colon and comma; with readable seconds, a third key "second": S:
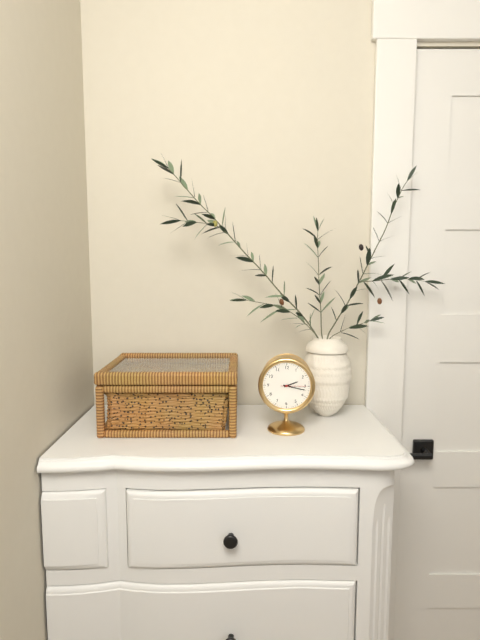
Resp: {"hour": 2, "minute": 17}
